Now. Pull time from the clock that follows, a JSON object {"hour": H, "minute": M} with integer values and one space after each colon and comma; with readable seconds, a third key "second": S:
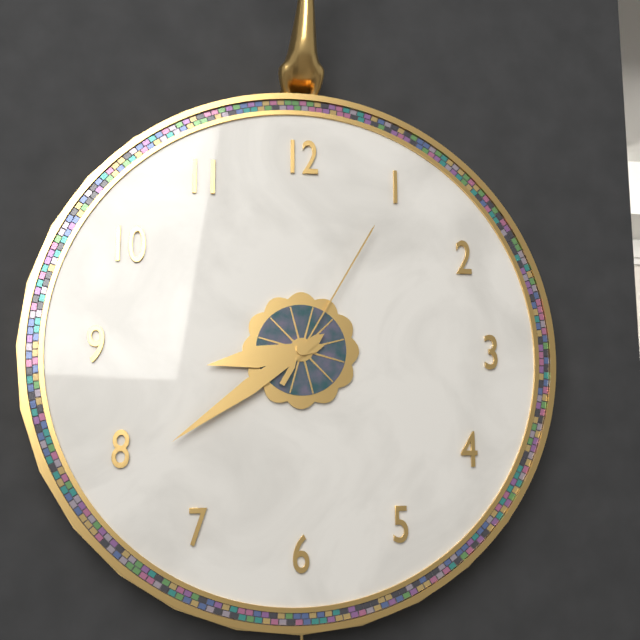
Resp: {"hour": 8, "minute": 39, "second": 5}
